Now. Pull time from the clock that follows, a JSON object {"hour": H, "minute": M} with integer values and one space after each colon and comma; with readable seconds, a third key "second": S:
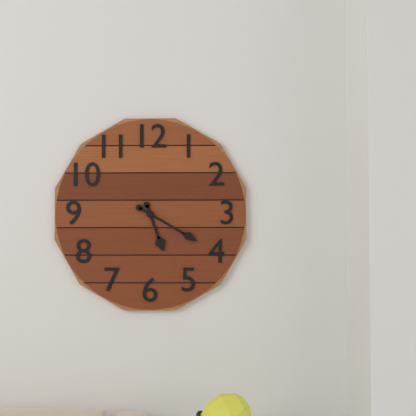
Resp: {"hour": 5, "minute": 20}
